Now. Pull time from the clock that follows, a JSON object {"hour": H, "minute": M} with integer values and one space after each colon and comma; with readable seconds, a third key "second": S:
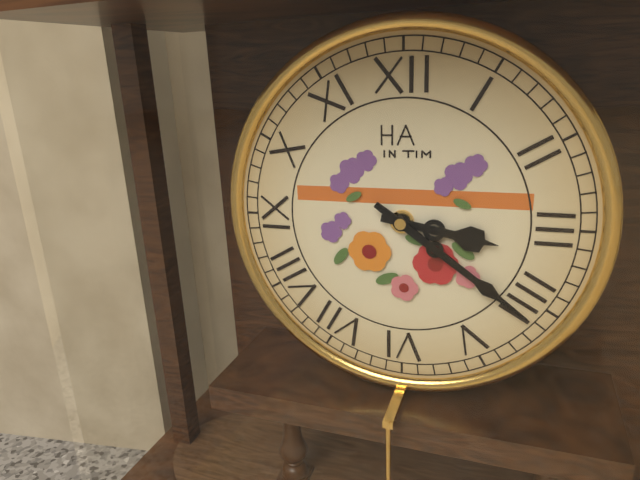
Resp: {"hour": 3, "minute": 21}
